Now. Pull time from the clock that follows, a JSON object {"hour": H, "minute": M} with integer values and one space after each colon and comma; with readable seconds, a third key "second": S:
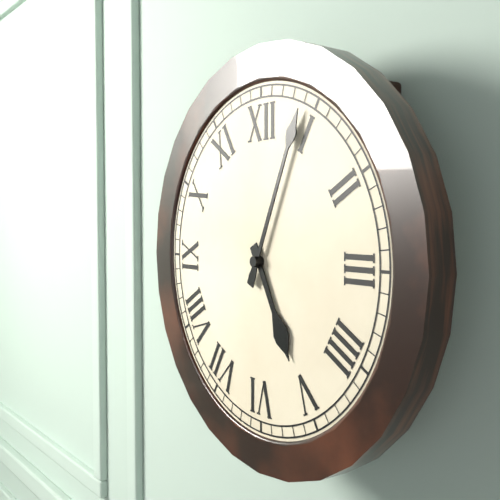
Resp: {"hour": 5, "minute": 4}
